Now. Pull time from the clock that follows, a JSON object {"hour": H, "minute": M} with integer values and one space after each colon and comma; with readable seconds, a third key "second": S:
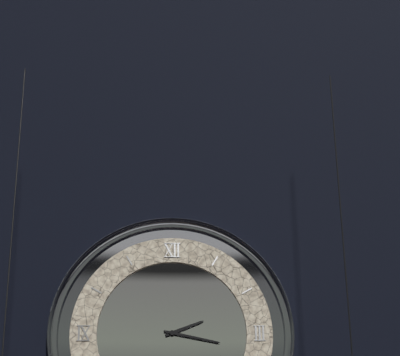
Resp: {"hour": 2, "minute": 17}
